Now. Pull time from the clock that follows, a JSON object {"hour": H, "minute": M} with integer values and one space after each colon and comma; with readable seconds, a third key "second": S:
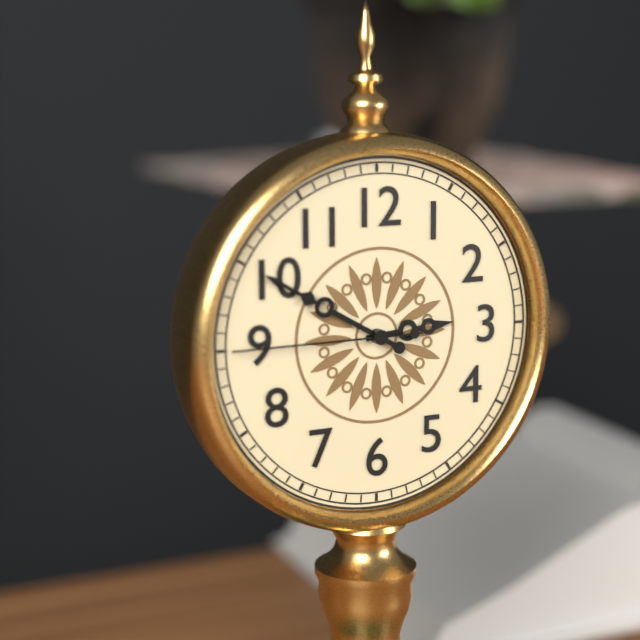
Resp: {"hour": 2, "minute": 50, "second": 45}
